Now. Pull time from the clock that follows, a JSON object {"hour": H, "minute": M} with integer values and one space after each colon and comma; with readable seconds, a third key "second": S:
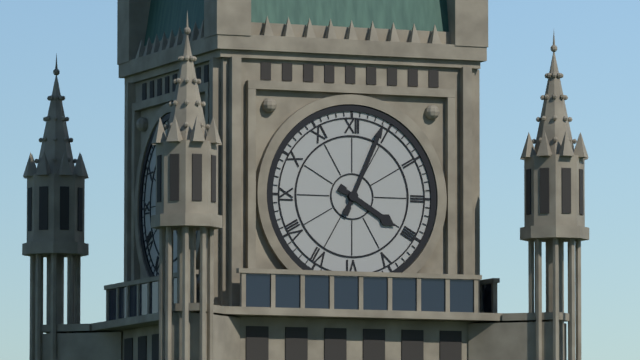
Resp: {"hour": 4, "minute": 4}
